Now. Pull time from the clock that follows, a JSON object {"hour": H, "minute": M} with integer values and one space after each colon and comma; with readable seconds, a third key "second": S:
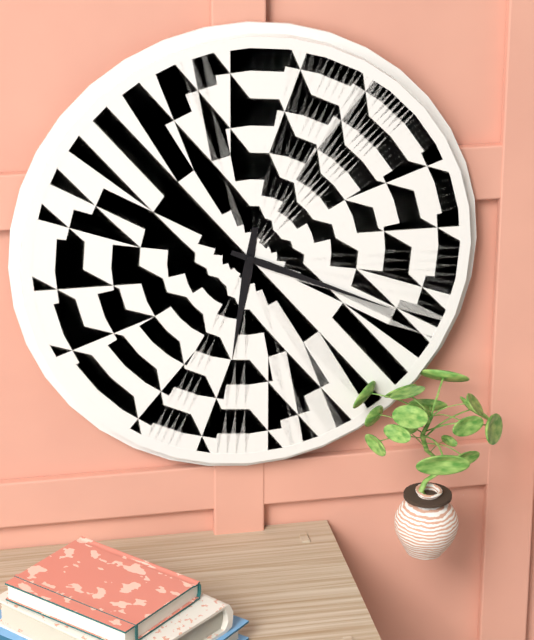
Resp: {"hour": 6, "minute": 19}
